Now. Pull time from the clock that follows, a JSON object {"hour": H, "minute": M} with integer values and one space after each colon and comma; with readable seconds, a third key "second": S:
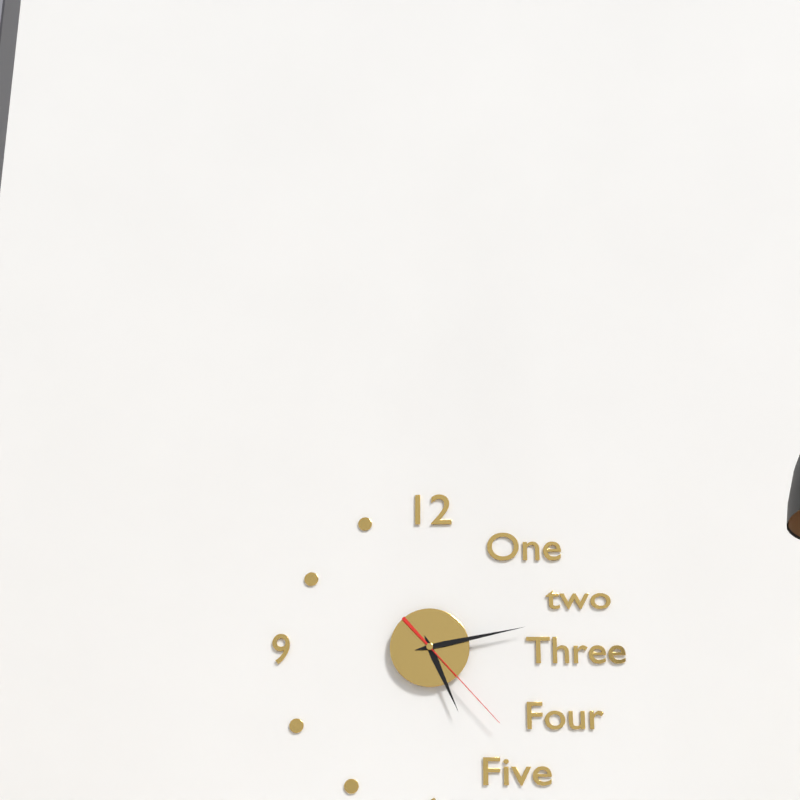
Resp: {"hour": 5, "minute": 13, "second": 23}
